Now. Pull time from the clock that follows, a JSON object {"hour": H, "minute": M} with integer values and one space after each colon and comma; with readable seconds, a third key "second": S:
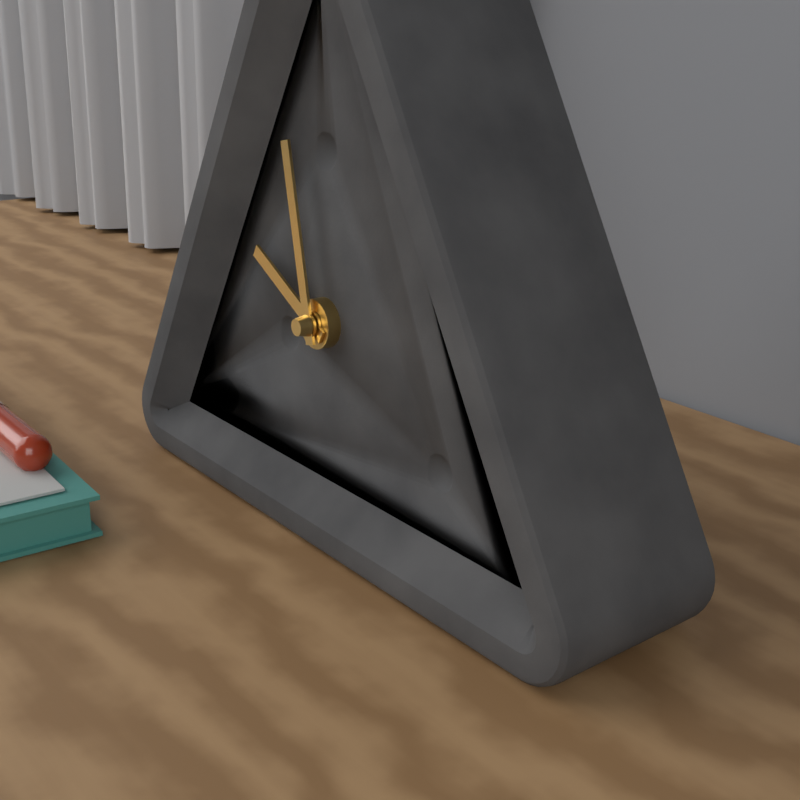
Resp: {"hour": 9, "minute": 58}
